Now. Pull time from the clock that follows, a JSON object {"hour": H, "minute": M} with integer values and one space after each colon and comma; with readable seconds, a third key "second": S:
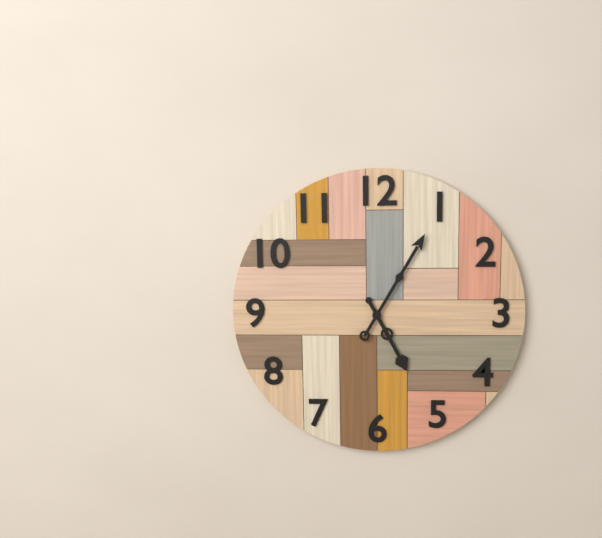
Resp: {"hour": 5, "minute": 5}
